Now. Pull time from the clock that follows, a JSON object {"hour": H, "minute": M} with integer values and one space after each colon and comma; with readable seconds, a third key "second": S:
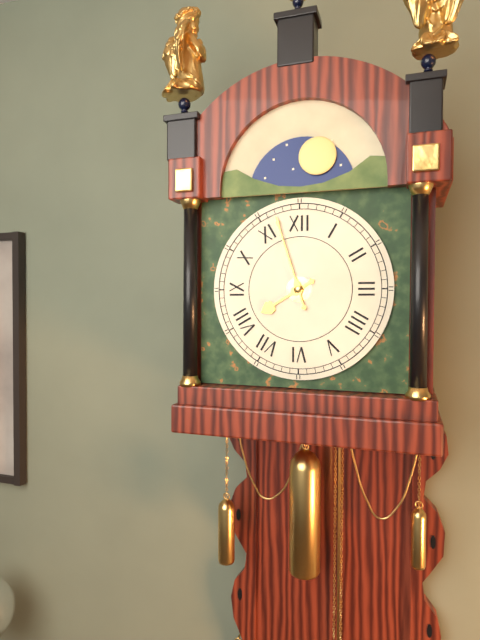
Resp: {"hour": 7, "minute": 57}
